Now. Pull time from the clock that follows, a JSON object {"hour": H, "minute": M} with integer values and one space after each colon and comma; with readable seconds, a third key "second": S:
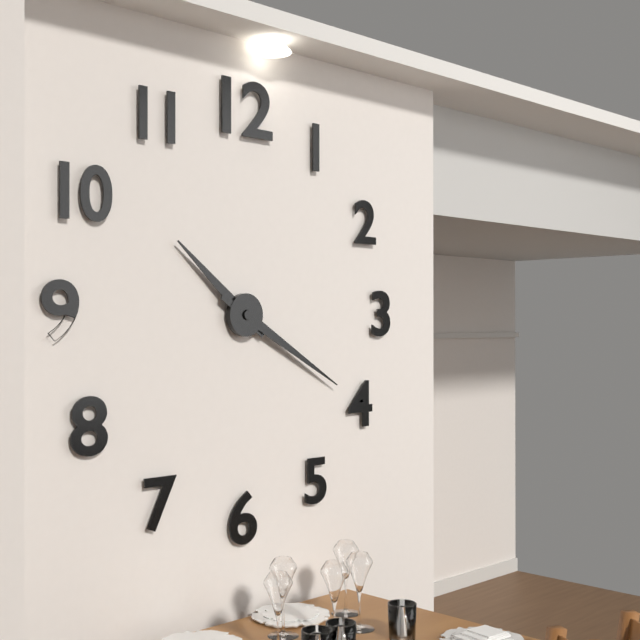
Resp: {"hour": 10, "minute": 20}
